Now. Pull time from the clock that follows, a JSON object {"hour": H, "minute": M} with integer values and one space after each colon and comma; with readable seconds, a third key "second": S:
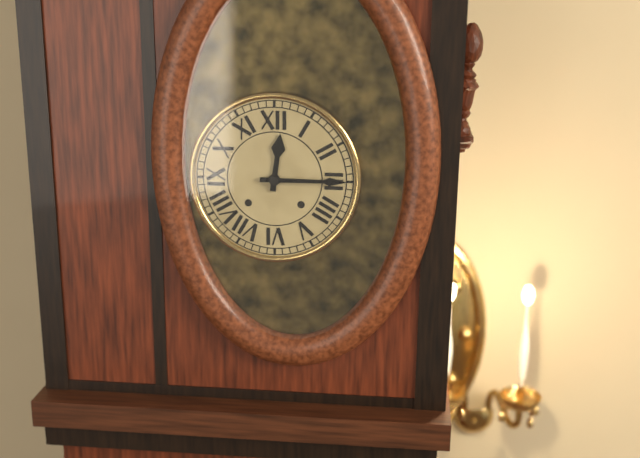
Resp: {"hour": 12, "minute": 15}
